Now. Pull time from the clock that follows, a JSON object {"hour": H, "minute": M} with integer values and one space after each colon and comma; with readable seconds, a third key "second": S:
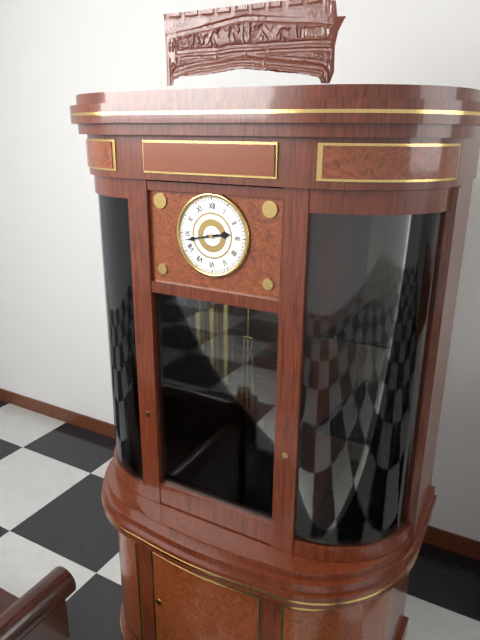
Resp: {"hour": 2, "minute": 43}
